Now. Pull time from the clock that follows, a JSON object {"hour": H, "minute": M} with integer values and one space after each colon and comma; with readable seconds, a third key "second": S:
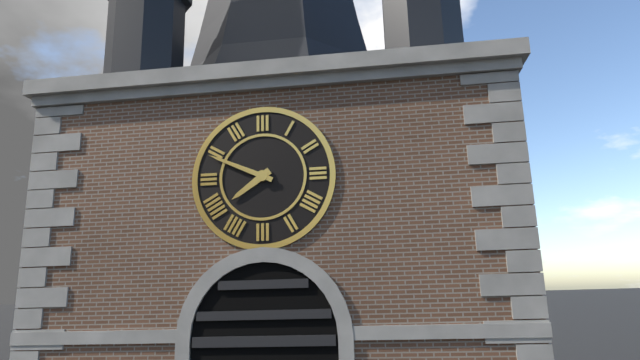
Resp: {"hour": 7, "minute": 49}
